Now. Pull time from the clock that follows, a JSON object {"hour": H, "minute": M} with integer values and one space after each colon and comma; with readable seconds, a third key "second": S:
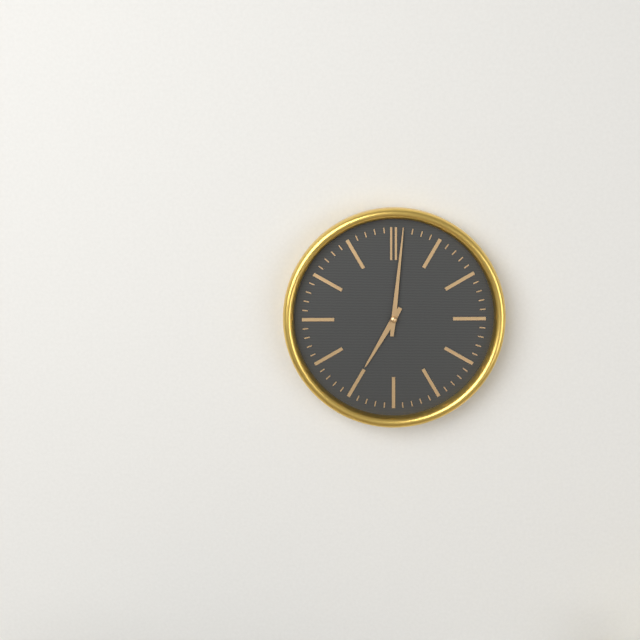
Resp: {"hour": 7, "minute": 1}
